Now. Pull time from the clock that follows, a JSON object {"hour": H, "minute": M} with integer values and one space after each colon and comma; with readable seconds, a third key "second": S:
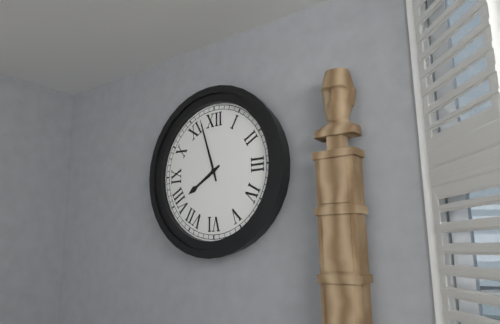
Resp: {"hour": 7, "minute": 57}
